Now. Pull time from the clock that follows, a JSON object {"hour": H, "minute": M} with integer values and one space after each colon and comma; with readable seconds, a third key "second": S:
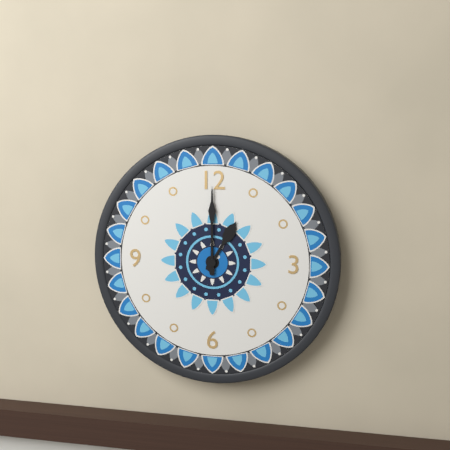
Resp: {"hour": 1, "minute": 0}
